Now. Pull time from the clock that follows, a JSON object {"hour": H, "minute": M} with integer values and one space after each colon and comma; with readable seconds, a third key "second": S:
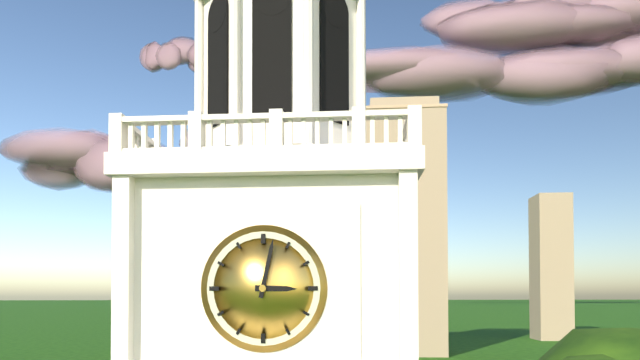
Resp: {"hour": 3, "minute": 2}
